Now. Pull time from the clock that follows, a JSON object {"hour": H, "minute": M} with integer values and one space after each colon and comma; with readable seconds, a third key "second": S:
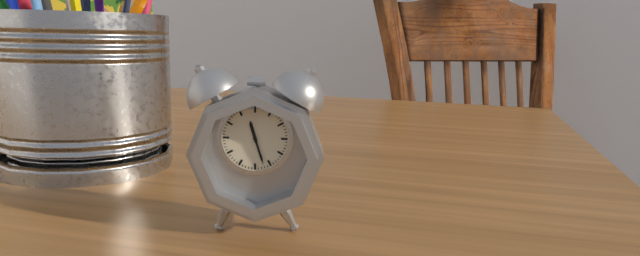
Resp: {"hour": 11, "minute": 27}
